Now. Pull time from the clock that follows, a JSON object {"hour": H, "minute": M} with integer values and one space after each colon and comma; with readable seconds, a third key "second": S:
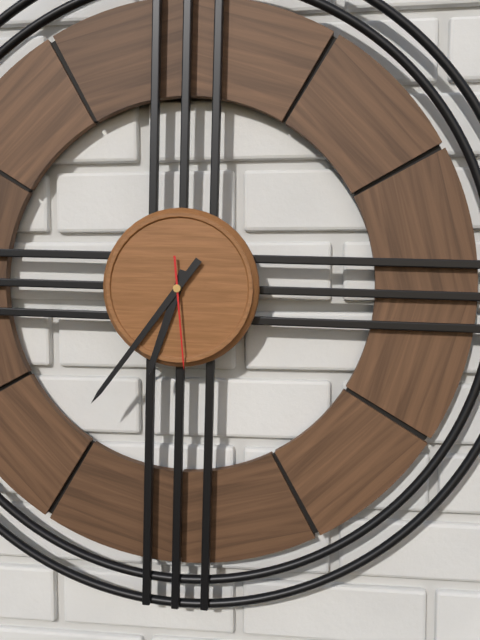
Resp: {"hour": 6, "minute": 36, "second": 29}
